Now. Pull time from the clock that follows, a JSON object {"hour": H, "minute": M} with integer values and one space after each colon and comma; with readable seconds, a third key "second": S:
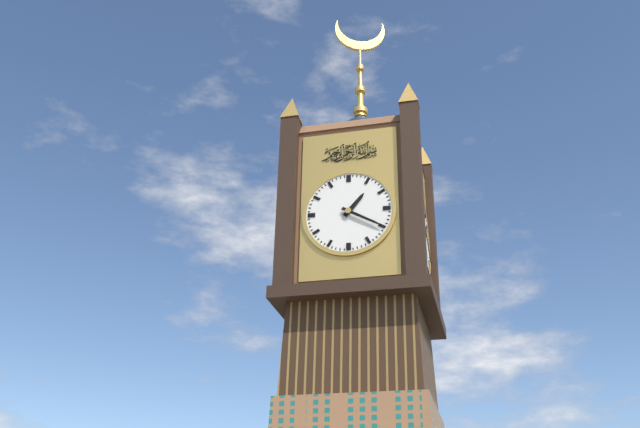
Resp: {"hour": 1, "minute": 20}
